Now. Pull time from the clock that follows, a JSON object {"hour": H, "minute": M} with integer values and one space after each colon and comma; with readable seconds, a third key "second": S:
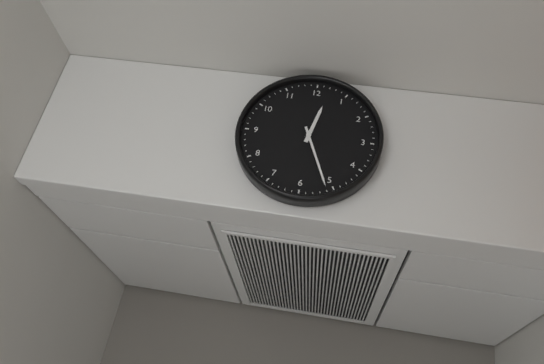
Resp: {"hour": 12, "minute": 26}
